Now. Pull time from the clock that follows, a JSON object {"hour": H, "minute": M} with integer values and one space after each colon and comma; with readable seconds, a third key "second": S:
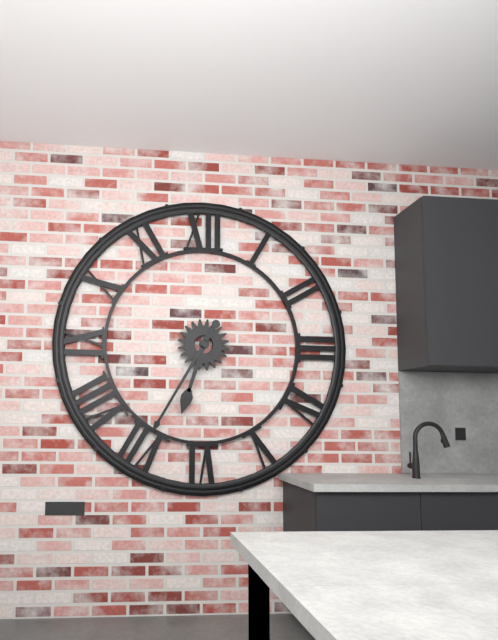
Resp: {"hour": 6, "minute": 35}
